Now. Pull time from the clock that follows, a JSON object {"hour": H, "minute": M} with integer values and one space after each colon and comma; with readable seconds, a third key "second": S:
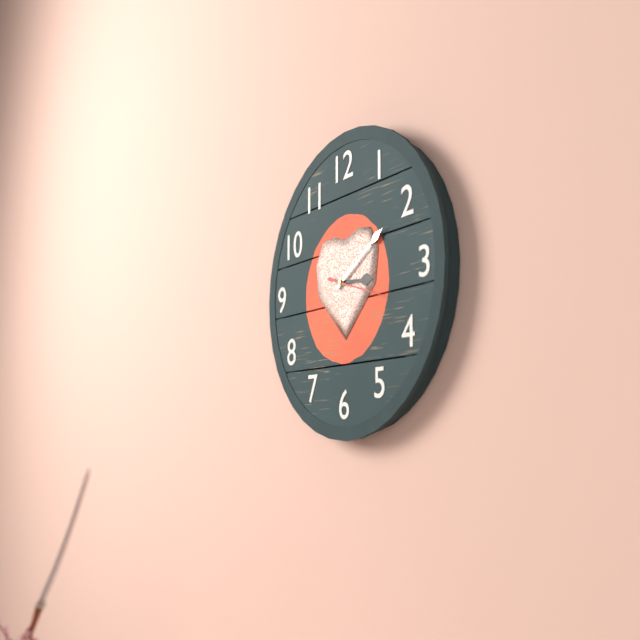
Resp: {"hour": 3, "minute": 10, "second": 18}
